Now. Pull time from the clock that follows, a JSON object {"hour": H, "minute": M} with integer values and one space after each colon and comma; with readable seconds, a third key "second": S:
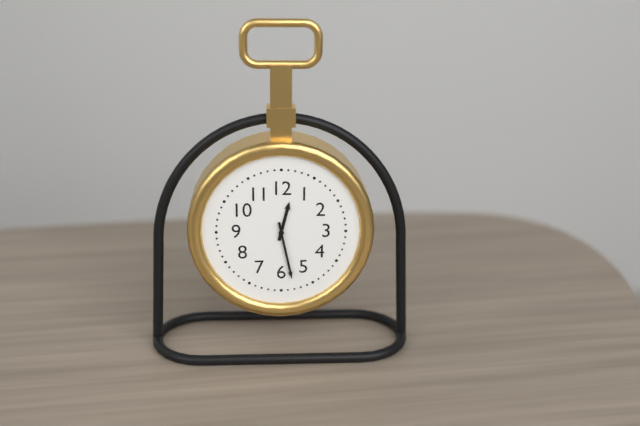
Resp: {"hour": 12, "minute": 28}
